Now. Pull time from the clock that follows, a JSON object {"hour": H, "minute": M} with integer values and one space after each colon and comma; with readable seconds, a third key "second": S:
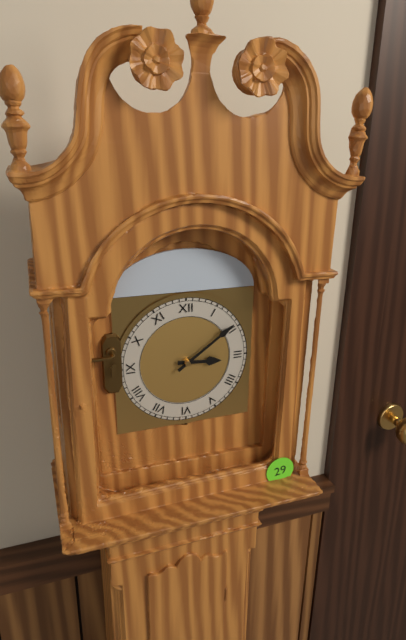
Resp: {"hour": 3, "minute": 9}
